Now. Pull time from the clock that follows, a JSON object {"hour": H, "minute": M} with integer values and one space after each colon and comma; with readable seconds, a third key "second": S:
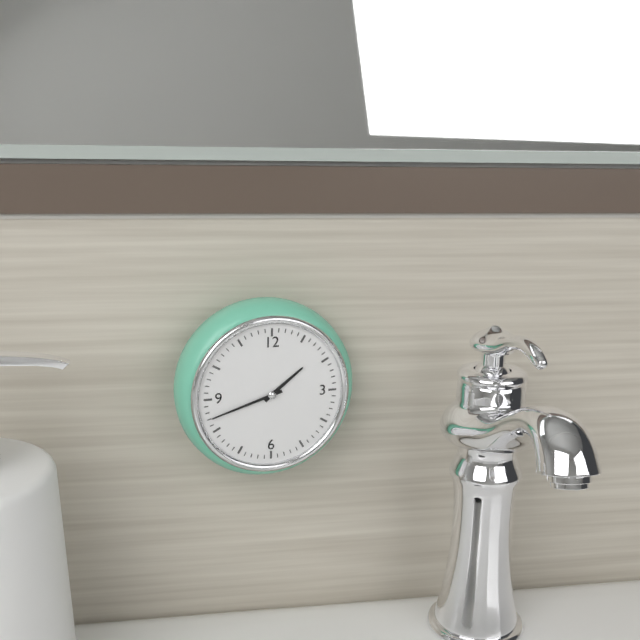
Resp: {"hour": 1, "minute": 42}
